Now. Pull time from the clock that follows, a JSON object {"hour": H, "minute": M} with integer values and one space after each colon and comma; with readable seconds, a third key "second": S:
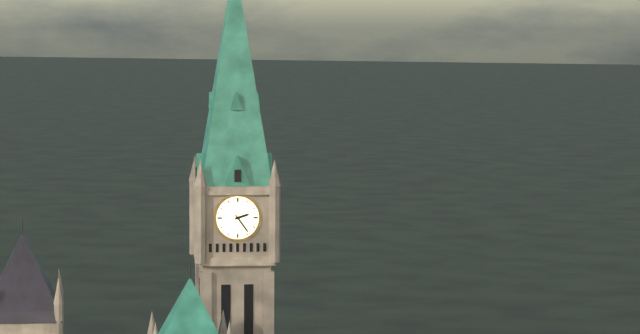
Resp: {"hour": 2, "minute": 24}
